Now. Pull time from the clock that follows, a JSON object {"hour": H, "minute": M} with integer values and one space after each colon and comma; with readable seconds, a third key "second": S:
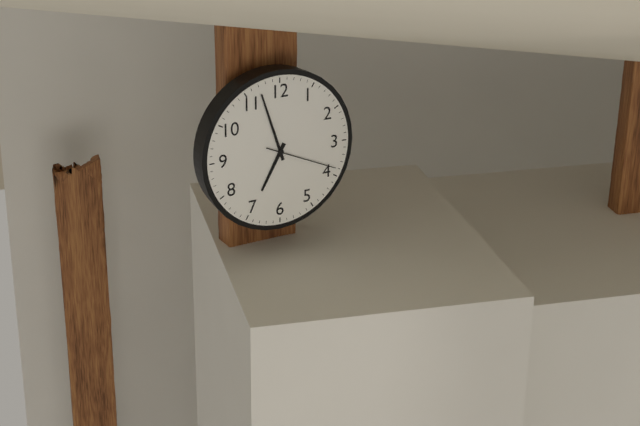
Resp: {"hour": 6, "minute": 57, "second": 19}
